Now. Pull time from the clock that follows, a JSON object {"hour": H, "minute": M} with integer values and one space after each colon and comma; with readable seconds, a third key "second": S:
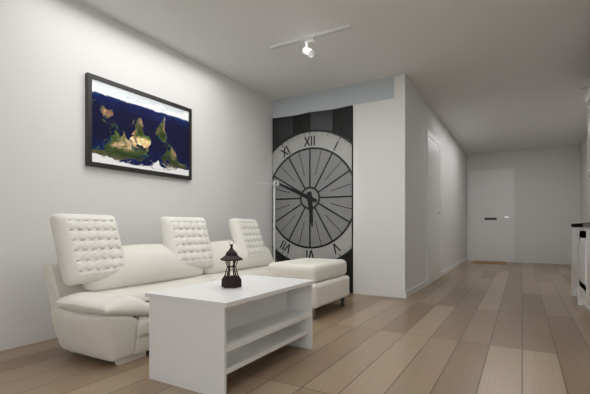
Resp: {"hour": 5, "minute": 49}
